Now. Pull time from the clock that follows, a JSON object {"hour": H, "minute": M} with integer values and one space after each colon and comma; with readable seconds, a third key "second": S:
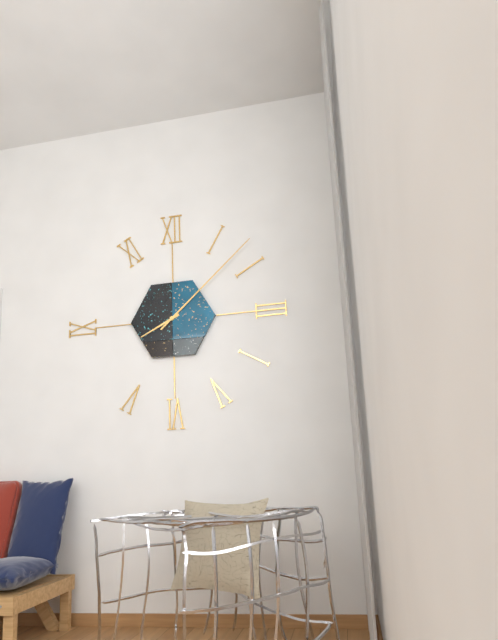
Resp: {"hour": 8, "minute": 8}
